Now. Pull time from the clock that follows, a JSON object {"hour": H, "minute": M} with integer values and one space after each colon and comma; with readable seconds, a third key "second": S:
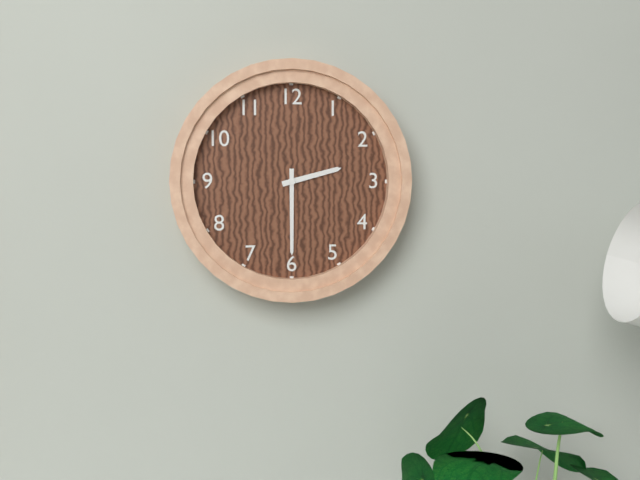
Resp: {"hour": 2, "minute": 30}
